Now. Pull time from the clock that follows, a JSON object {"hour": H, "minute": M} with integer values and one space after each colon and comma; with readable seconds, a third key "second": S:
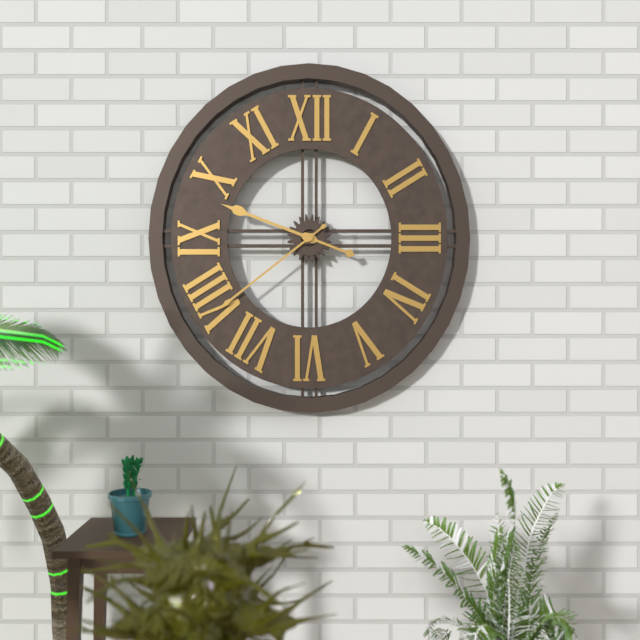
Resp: {"hour": 9, "minute": 39}
